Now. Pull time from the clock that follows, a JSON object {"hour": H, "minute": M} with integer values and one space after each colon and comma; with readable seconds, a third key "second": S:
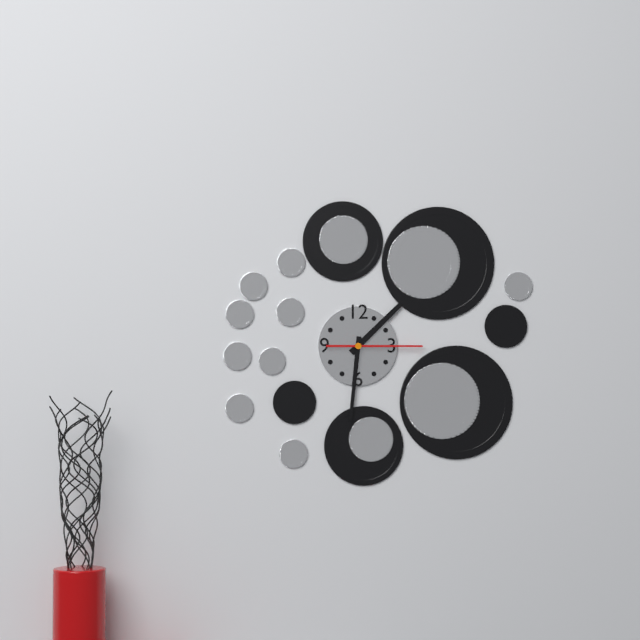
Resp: {"hour": 1, "minute": 31, "second": 15}
